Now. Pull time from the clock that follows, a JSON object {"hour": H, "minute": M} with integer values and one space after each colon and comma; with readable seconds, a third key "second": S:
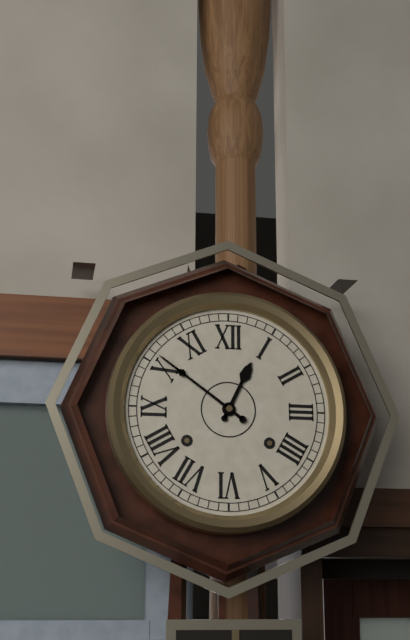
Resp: {"hour": 12, "minute": 51}
